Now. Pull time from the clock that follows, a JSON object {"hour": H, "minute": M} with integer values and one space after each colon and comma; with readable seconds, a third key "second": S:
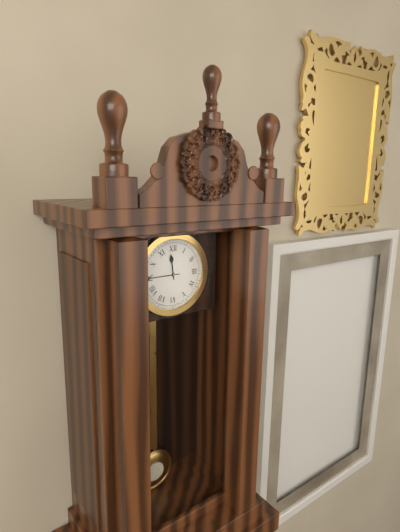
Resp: {"hour": 11, "minute": 45}
